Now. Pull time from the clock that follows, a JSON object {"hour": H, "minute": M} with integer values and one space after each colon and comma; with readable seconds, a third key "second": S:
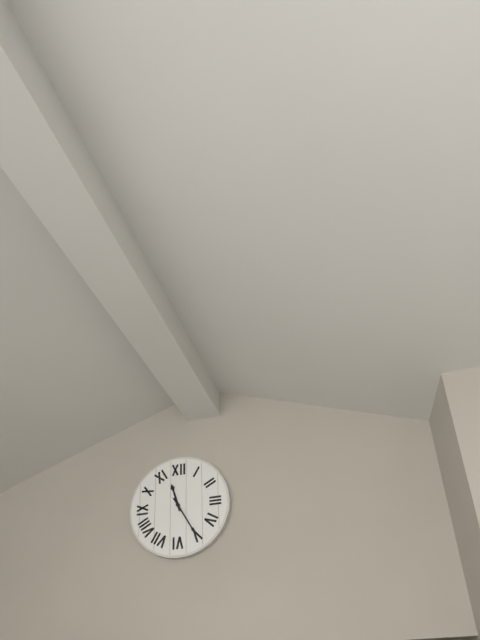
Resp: {"hour": 11, "minute": 25}
